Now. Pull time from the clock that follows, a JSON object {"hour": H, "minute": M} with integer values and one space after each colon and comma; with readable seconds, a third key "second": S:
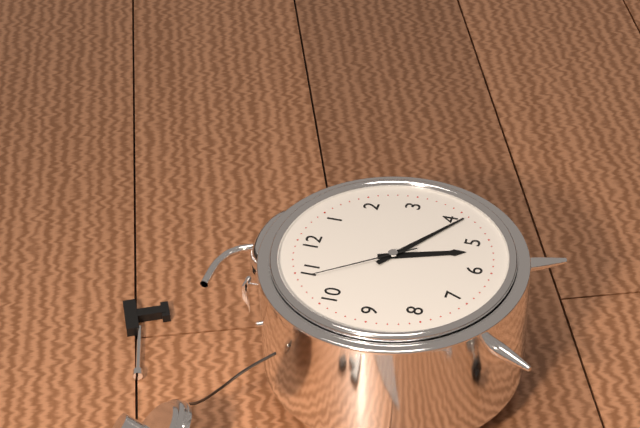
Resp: {"hour": 5, "minute": 21, "second": 54}
